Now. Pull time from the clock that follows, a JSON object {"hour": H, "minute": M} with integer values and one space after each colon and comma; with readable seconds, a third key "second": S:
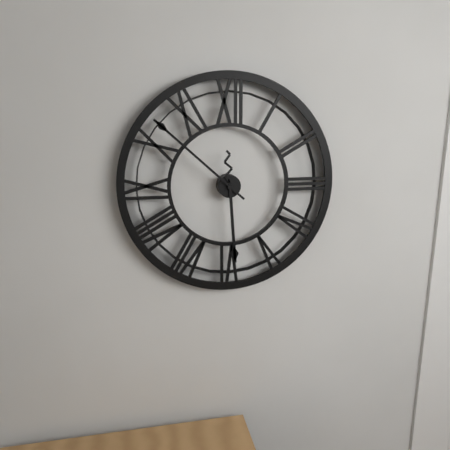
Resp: {"hour": 5, "minute": 52}
